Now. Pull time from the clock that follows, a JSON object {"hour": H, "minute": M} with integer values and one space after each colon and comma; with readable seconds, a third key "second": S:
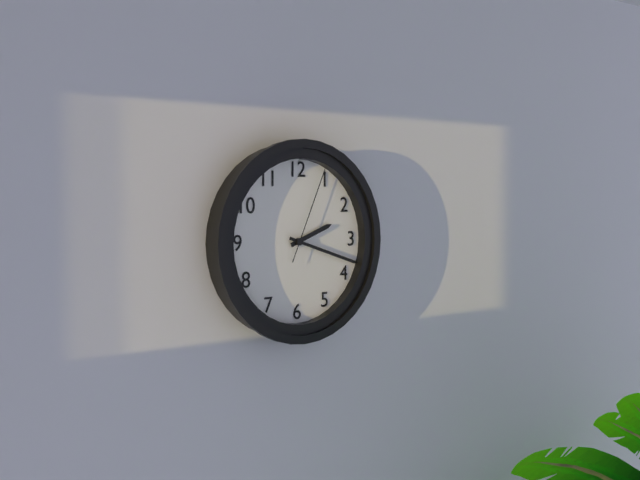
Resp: {"hour": 2, "minute": 18, "second": 4}
